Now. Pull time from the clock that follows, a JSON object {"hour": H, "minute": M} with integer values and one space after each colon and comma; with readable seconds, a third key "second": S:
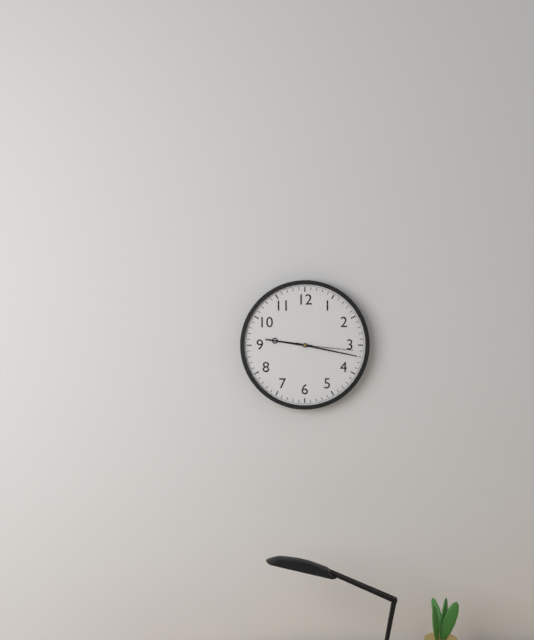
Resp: {"hour": 9, "minute": 17, "second": 16}
